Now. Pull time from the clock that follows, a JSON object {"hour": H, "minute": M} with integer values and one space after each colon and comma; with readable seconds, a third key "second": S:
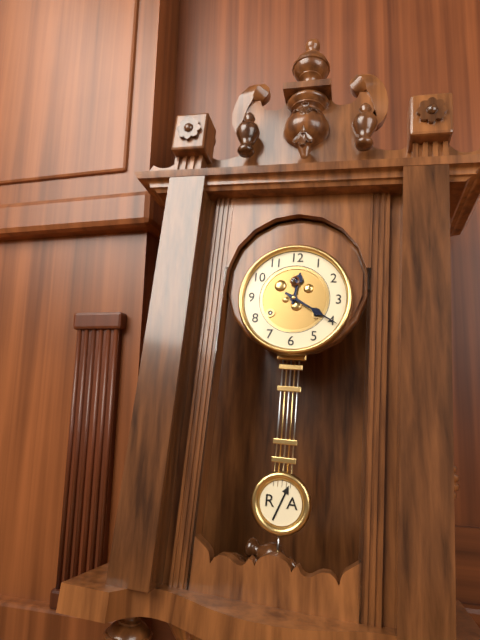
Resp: {"hour": 12, "minute": 20}
